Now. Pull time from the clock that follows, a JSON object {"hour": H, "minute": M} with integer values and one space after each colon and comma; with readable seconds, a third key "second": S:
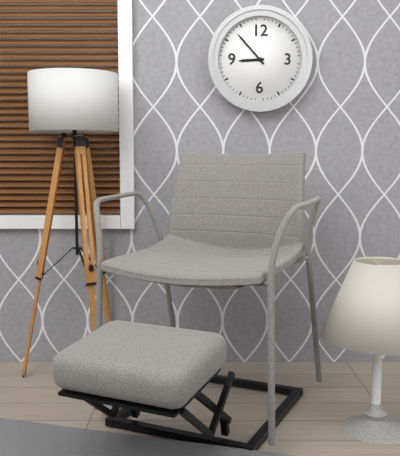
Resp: {"hour": 8, "minute": 53}
